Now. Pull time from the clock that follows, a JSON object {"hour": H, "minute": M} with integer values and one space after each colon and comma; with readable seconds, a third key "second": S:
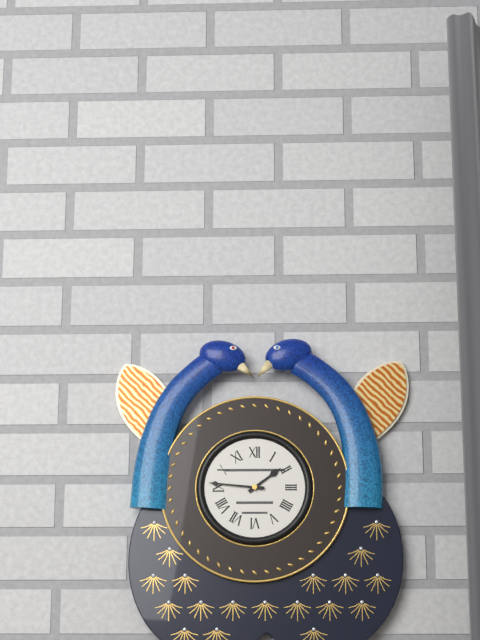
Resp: {"hour": 1, "minute": 46}
